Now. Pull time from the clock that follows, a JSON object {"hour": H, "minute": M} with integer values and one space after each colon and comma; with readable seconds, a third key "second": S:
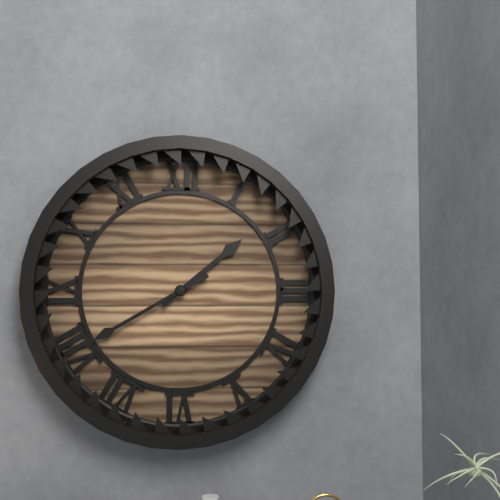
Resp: {"hour": 1, "minute": 40}
